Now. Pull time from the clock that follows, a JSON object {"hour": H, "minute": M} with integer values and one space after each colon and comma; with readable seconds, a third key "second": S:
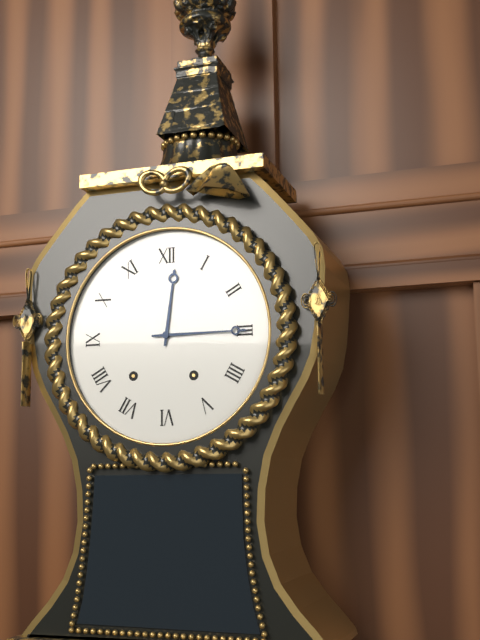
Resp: {"hour": 12, "minute": 15}
